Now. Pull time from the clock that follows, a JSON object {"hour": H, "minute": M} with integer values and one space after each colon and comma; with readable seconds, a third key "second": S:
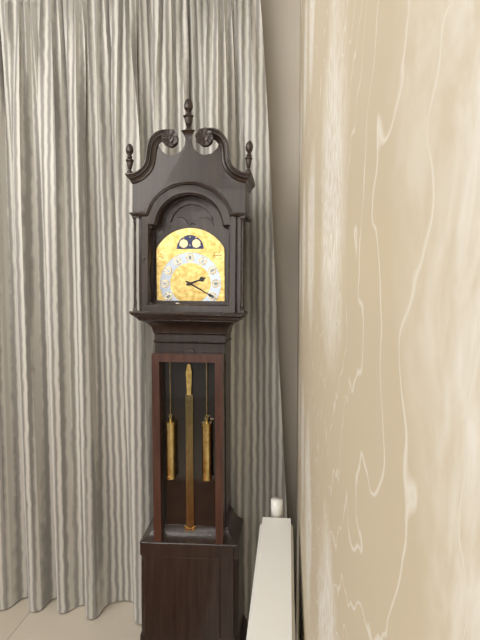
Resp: {"hour": 2, "minute": 20}
